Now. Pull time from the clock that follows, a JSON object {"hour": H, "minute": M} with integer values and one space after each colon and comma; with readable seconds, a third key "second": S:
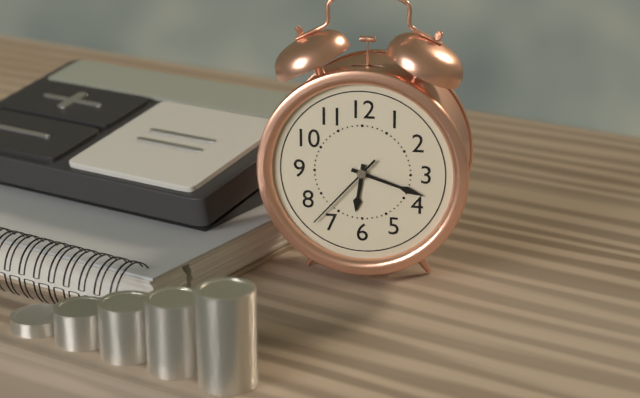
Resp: {"hour": 6, "minute": 18, "second": 37}
